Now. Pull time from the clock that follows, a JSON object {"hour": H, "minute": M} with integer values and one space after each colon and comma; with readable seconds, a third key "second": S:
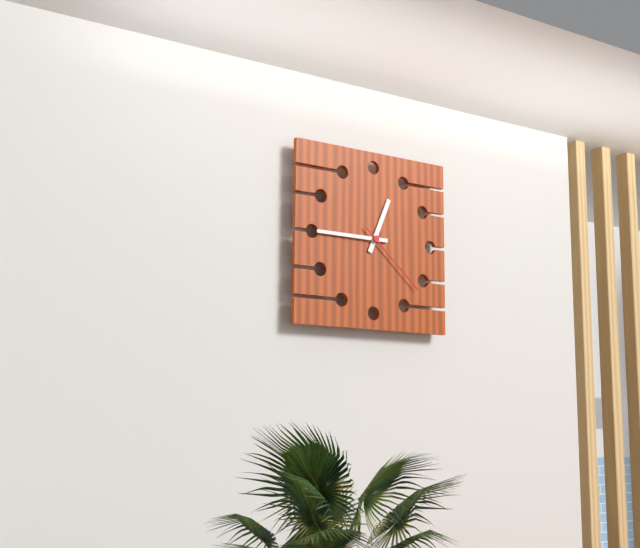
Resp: {"hour": 12, "minute": 45, "second": 22}
